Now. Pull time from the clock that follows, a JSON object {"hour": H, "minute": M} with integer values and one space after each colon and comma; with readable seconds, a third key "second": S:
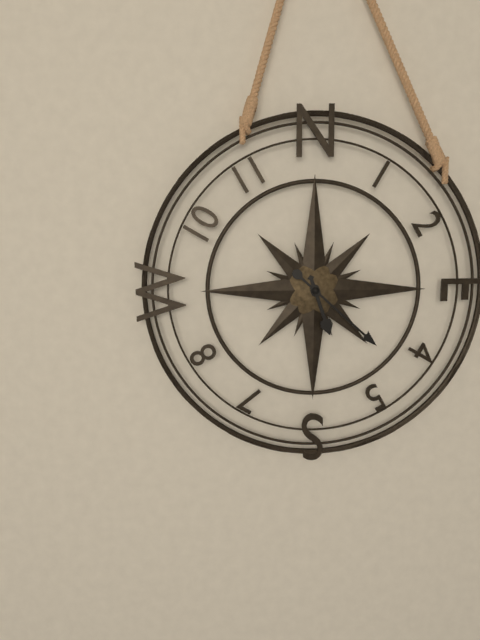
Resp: {"hour": 5, "minute": 22}
